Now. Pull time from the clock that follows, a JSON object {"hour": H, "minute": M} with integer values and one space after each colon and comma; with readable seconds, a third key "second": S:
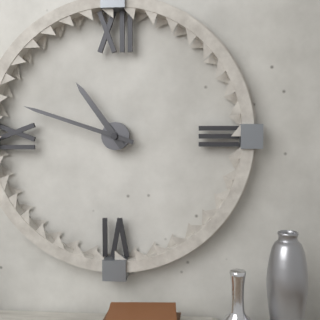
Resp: {"hour": 10, "minute": 48}
